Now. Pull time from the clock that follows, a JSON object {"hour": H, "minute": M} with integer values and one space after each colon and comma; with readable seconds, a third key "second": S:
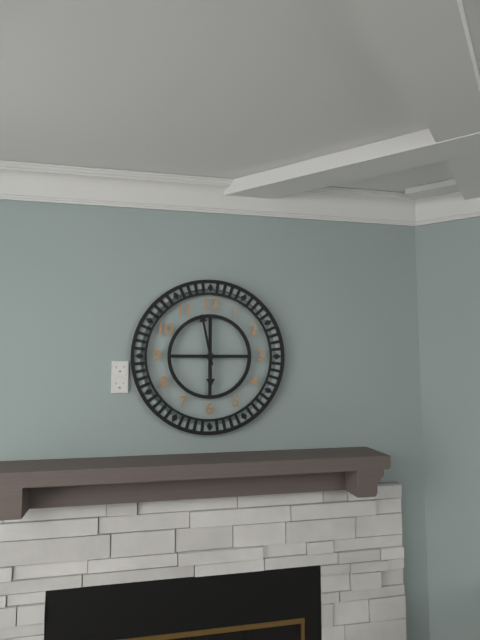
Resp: {"hour": 5, "minute": 58}
